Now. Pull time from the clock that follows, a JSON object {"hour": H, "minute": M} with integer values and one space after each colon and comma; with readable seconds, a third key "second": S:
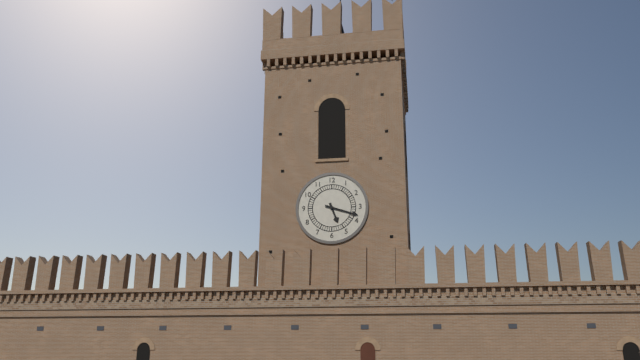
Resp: {"hour": 5, "minute": 18}
